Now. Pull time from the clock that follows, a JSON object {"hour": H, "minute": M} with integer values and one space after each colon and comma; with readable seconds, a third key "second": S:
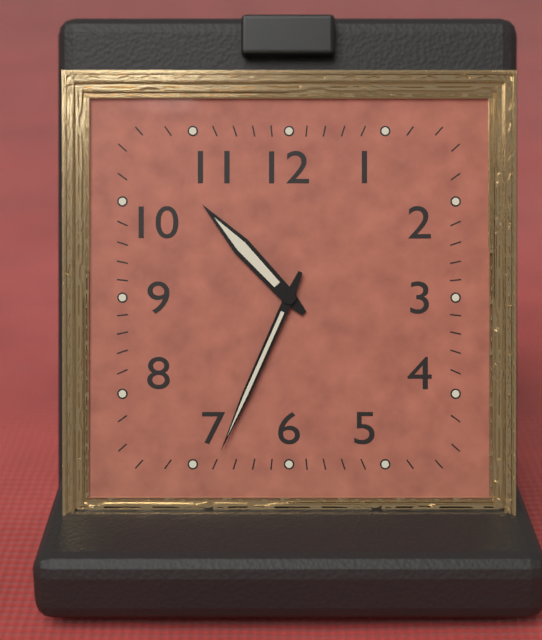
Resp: {"hour": 10, "minute": 34}
